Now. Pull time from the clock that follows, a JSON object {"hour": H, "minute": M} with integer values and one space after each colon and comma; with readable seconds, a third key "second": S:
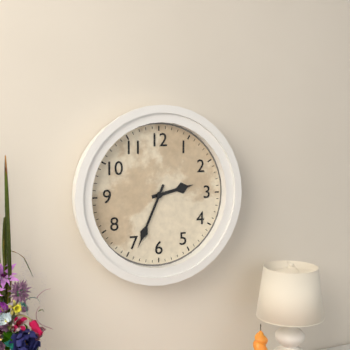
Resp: {"hour": 2, "minute": 34}
